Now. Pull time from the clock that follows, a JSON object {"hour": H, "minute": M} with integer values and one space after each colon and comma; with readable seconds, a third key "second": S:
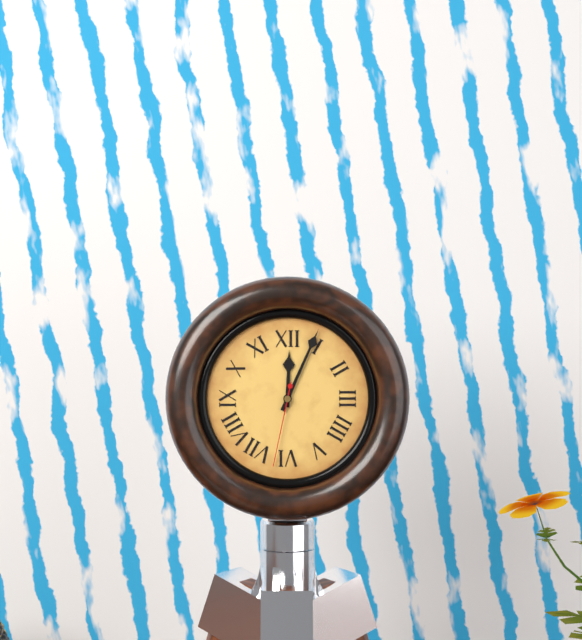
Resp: {"hour": 12, "minute": 4, "second": 32}
